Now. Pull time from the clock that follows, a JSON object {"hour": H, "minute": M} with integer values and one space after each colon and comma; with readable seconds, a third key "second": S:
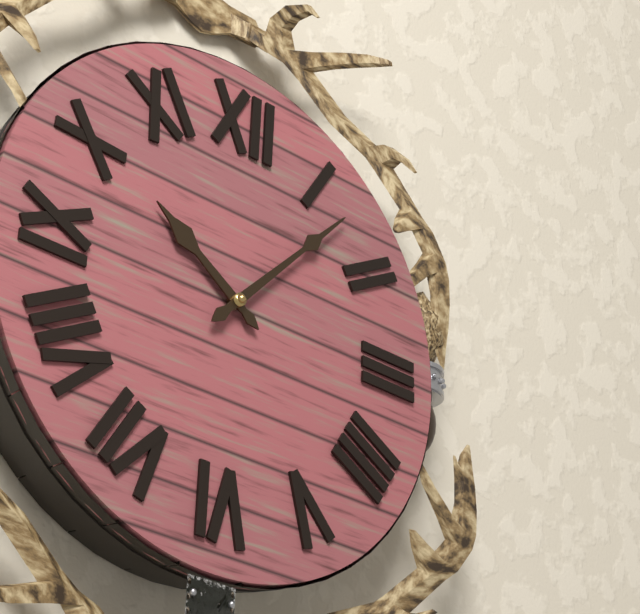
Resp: {"hour": 10, "minute": 7}
